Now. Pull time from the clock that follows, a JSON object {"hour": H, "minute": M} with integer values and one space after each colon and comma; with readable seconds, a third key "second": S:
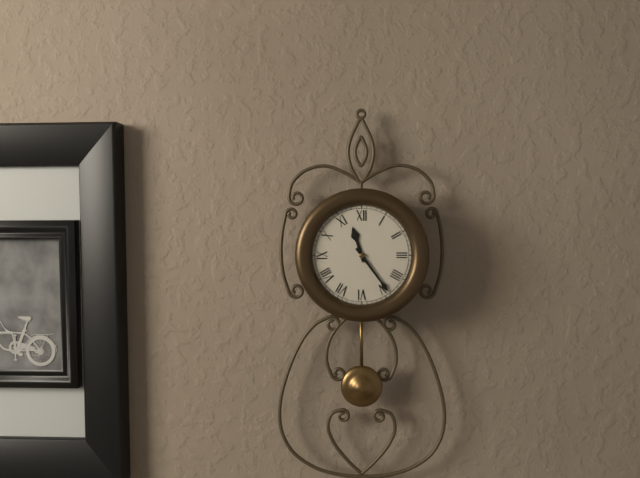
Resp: {"hour": 11, "minute": 24}
